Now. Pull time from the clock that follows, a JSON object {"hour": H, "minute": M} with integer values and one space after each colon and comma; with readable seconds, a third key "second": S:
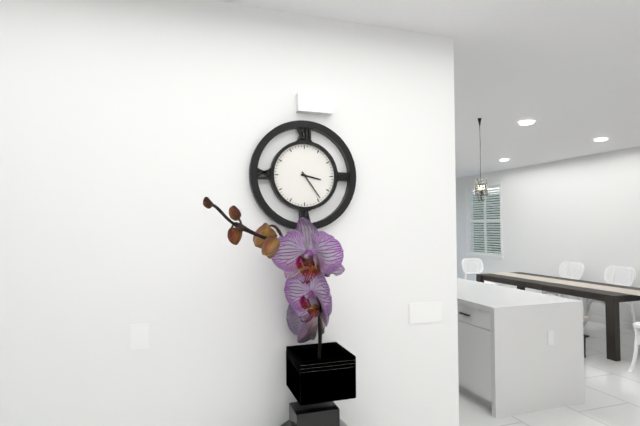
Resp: {"hour": 3, "minute": 24}
